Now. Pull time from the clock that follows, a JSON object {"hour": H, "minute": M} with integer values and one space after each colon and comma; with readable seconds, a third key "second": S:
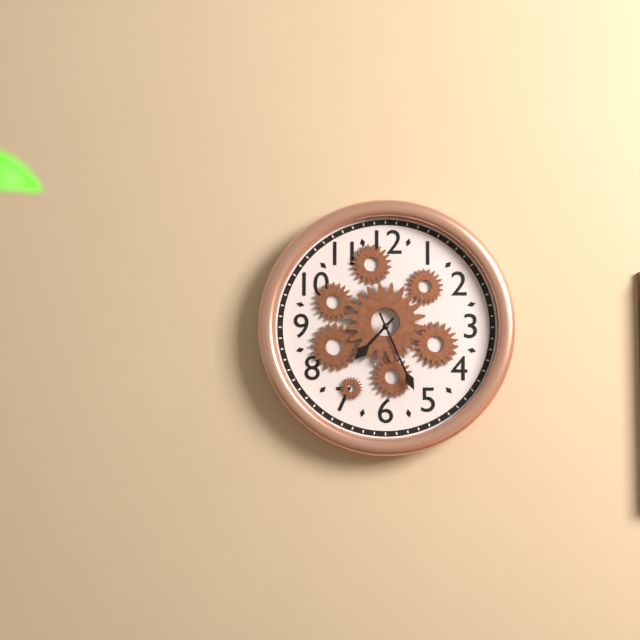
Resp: {"hour": 7, "minute": 26}
